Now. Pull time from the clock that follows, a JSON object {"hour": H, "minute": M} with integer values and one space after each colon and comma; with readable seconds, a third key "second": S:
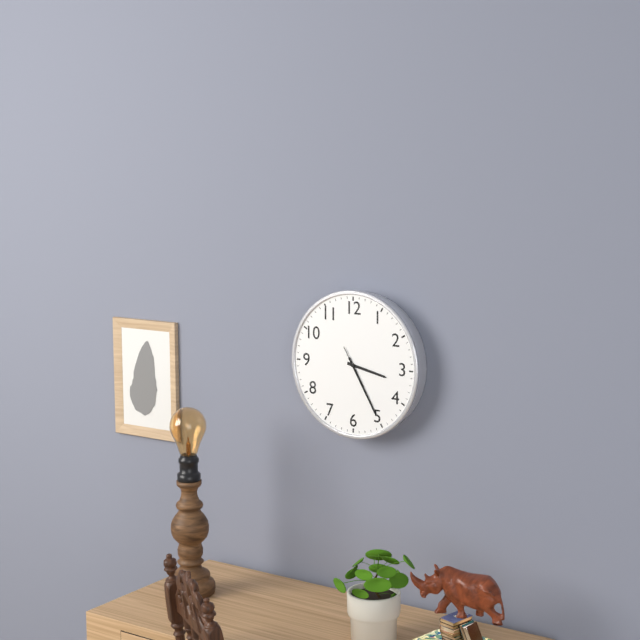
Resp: {"hour": 3, "minute": 25, "second": 25}
